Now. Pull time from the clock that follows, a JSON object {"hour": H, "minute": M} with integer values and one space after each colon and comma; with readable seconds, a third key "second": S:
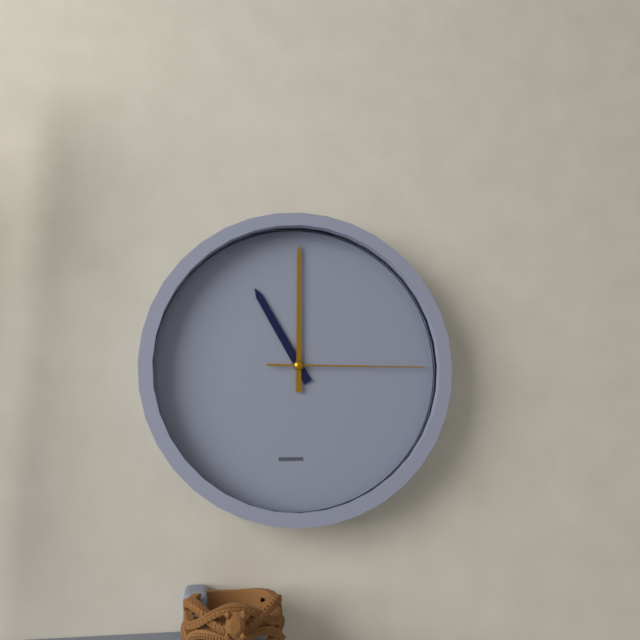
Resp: {"hour": 11, "minute": 0, "second": 15}
